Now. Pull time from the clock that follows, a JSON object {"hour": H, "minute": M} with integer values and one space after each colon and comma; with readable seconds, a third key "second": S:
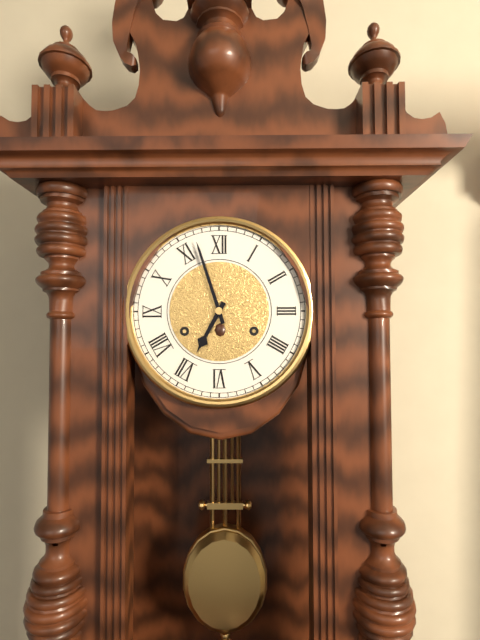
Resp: {"hour": 6, "minute": 57}
